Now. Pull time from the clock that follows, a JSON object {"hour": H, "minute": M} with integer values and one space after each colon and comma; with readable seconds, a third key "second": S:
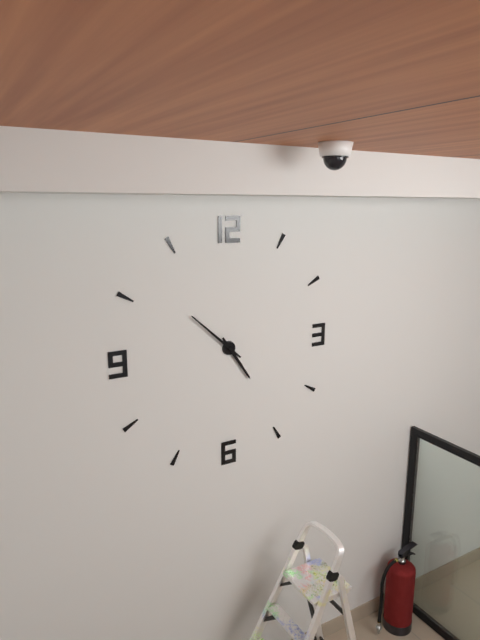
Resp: {"hour": 4, "minute": 52}
